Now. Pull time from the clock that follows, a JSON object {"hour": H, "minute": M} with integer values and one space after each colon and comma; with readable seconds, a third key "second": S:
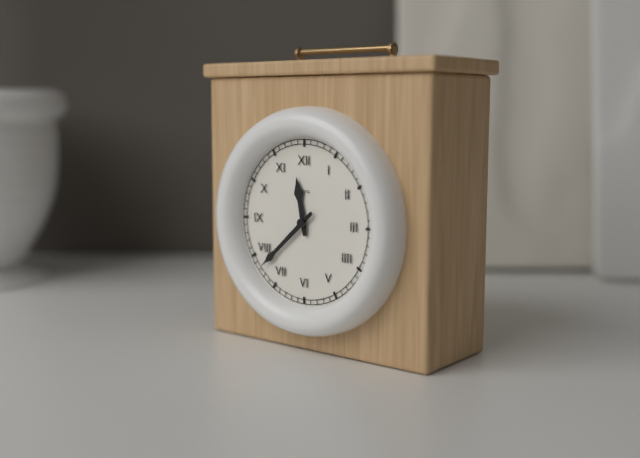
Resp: {"hour": 11, "minute": 38}
